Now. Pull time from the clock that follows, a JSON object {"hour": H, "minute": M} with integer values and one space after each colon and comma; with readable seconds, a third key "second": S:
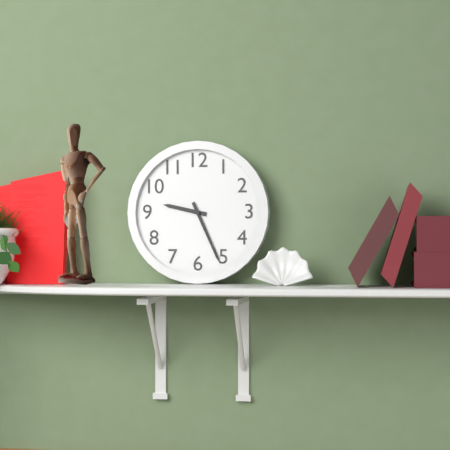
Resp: {"hour": 9, "minute": 26}
